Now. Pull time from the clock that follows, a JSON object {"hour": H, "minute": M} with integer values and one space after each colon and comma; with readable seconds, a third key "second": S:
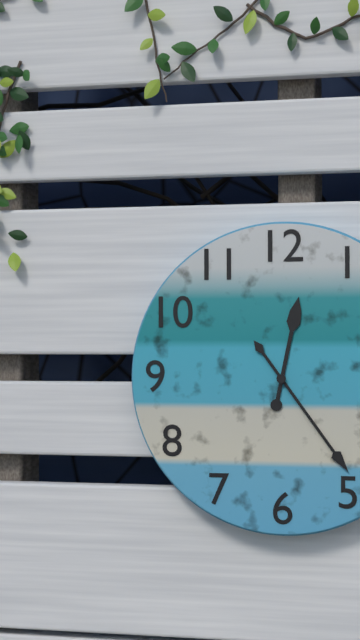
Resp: {"hour": 12, "minute": 24}
